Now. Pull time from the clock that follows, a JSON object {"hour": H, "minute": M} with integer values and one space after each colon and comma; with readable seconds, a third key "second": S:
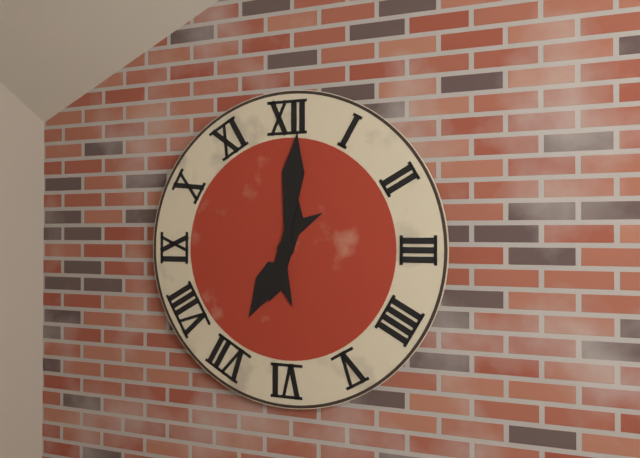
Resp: {"hour": 7, "minute": 1}
